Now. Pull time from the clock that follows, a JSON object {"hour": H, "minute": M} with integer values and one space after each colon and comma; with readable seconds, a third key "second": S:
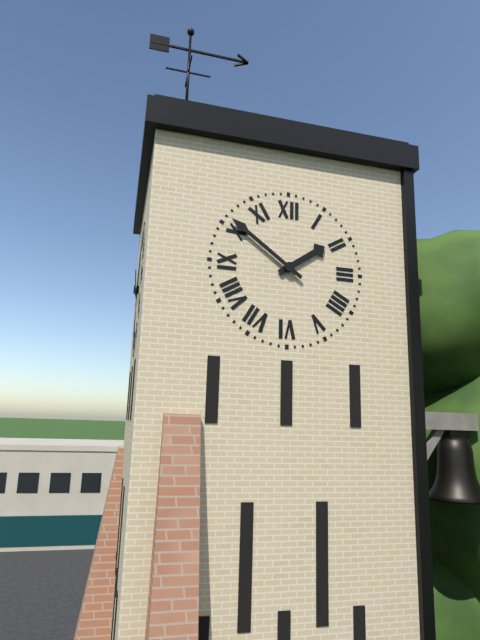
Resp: {"hour": 1, "minute": 51}
